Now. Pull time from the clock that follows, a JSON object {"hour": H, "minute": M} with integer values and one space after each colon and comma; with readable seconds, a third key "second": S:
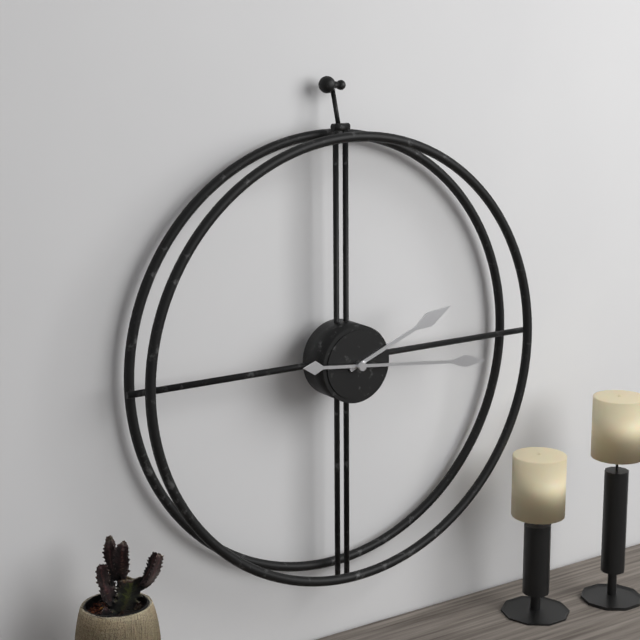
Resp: {"hour": 2, "minute": 16}
